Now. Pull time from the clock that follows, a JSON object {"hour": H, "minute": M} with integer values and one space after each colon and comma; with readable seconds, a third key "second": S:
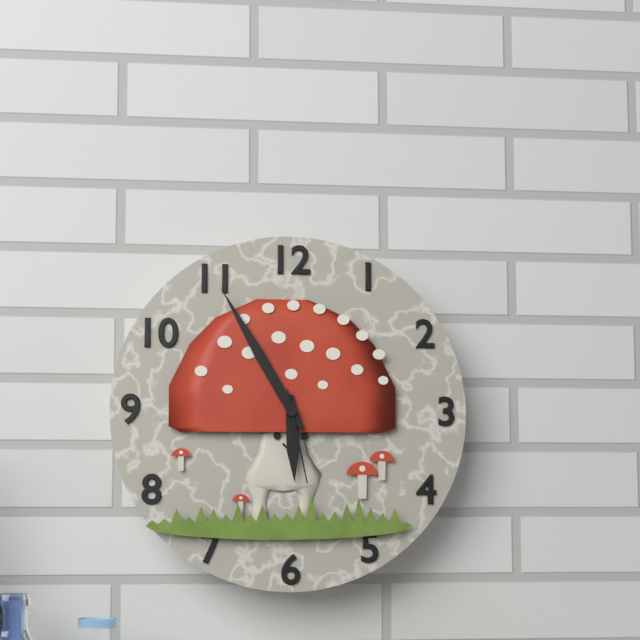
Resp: {"hour": 5, "minute": 55, "second": 28}
